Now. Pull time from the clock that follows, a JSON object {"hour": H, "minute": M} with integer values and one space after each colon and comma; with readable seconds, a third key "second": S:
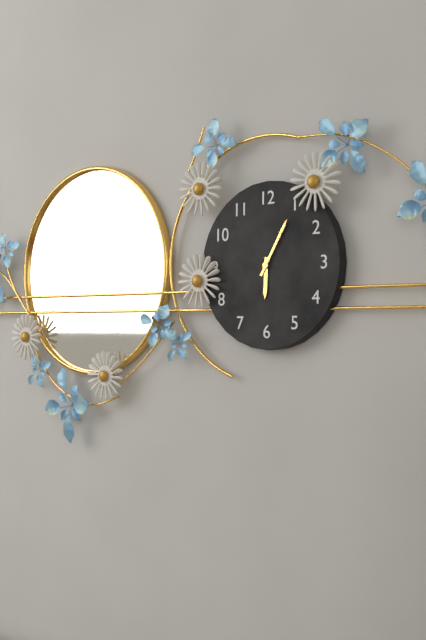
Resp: {"hour": 6, "minute": 5}
